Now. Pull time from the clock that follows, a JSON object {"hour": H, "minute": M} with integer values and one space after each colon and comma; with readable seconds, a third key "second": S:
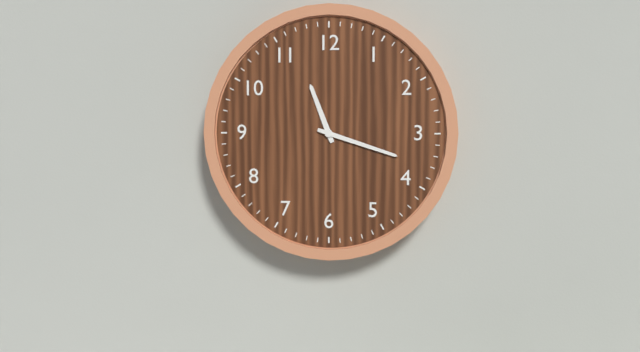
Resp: {"hour": 11, "minute": 18}
